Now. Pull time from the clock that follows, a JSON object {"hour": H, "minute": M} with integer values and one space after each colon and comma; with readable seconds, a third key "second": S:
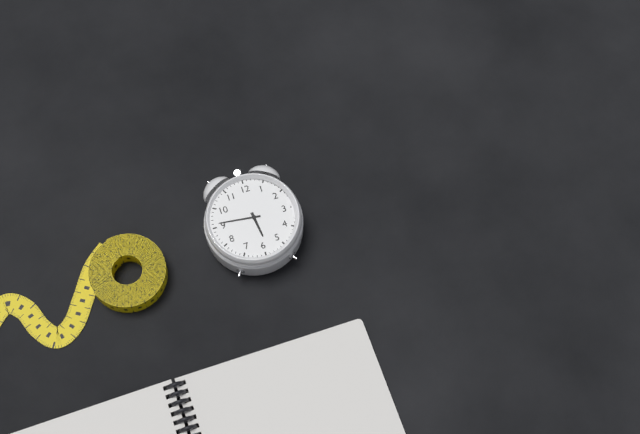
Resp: {"hour": 5, "minute": 46}
